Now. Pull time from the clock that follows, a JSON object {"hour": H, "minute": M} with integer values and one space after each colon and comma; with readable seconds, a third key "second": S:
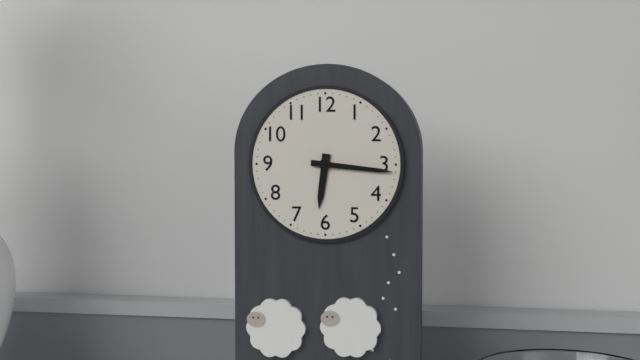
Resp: {"hour": 6, "minute": 16}
